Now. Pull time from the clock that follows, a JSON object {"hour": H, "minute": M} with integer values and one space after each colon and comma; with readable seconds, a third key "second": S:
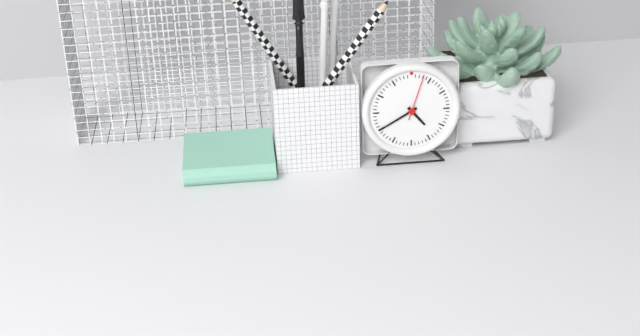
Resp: {"hour": 4, "minute": 40}
